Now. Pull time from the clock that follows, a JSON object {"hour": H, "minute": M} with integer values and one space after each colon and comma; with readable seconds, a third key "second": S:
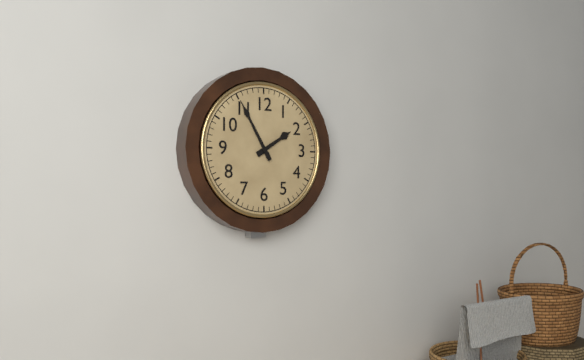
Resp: {"hour": 1, "minute": 55}
